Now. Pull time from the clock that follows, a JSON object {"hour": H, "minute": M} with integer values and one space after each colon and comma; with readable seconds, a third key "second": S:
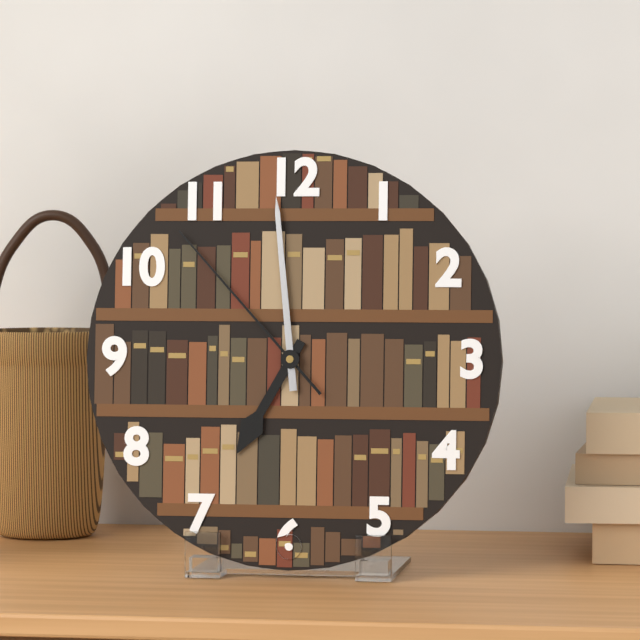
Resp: {"hour": 6, "minute": 59, "second": 53}
